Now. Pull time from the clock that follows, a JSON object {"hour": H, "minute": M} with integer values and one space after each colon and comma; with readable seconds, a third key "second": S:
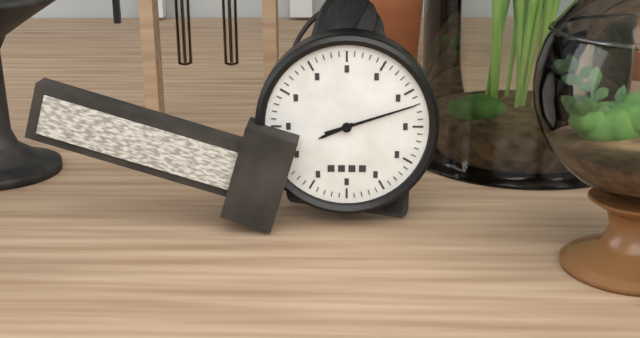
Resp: {"hour": 8, "minute": 12}
